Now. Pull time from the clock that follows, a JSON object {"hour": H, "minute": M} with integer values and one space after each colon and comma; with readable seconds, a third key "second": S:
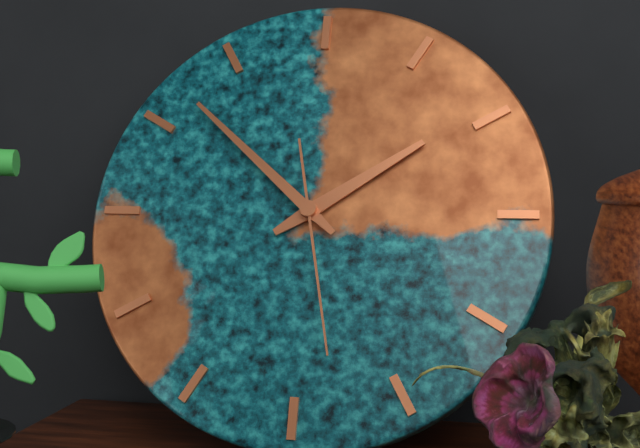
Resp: {"hour": 1, "minute": 52, "second": 28}
